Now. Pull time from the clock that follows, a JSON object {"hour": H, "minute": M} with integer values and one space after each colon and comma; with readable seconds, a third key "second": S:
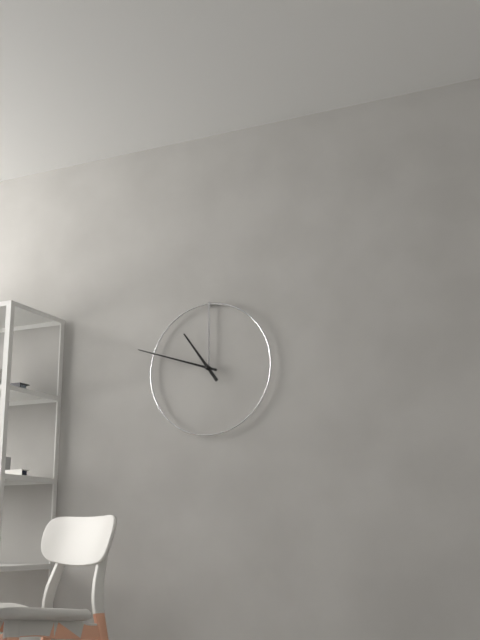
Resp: {"hour": 10, "minute": 48}
